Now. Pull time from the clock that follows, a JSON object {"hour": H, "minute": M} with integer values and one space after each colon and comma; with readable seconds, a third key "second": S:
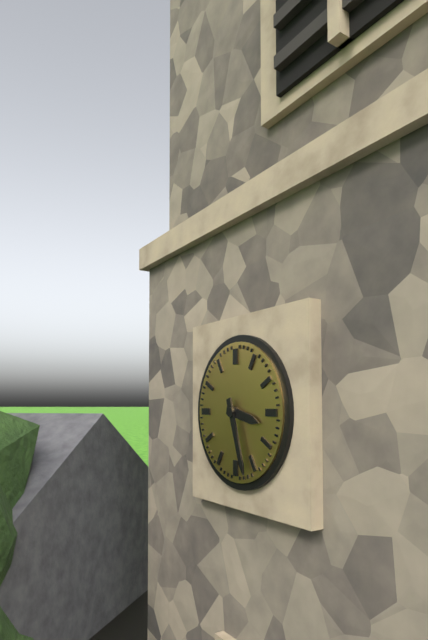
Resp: {"hour": 3, "minute": 27}
